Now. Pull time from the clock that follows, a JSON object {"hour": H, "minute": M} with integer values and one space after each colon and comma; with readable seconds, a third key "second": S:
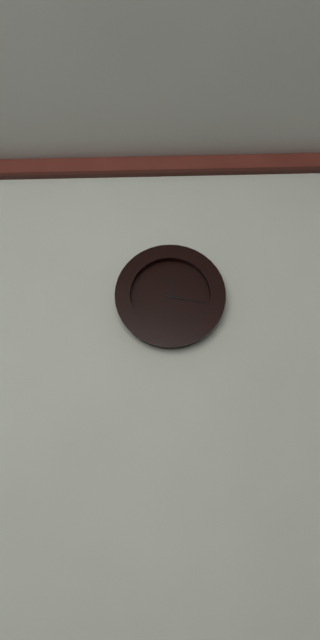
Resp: {"hour": 12, "minute": 17}
